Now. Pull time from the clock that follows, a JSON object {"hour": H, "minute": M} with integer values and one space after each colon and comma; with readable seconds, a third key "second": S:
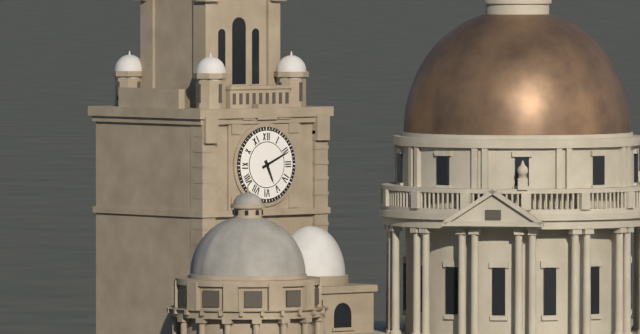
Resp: {"hour": 5, "minute": 11}
